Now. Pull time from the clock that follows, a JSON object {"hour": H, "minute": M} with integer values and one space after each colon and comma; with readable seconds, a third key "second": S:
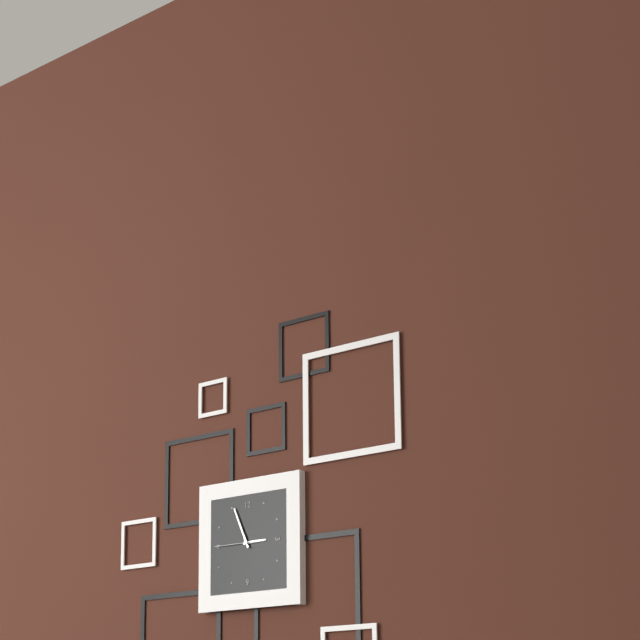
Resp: {"hour": 2, "minute": 56}
